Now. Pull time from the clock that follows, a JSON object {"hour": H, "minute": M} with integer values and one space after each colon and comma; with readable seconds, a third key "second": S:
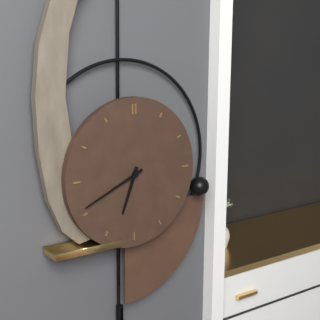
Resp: {"hour": 6, "minute": 41}
